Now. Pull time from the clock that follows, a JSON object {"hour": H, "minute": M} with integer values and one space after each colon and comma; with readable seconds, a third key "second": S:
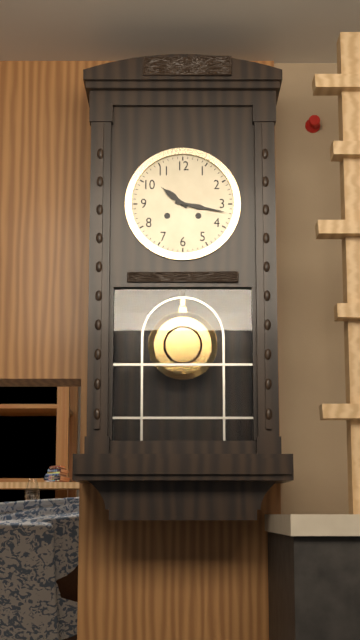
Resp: {"hour": 10, "minute": 17}
